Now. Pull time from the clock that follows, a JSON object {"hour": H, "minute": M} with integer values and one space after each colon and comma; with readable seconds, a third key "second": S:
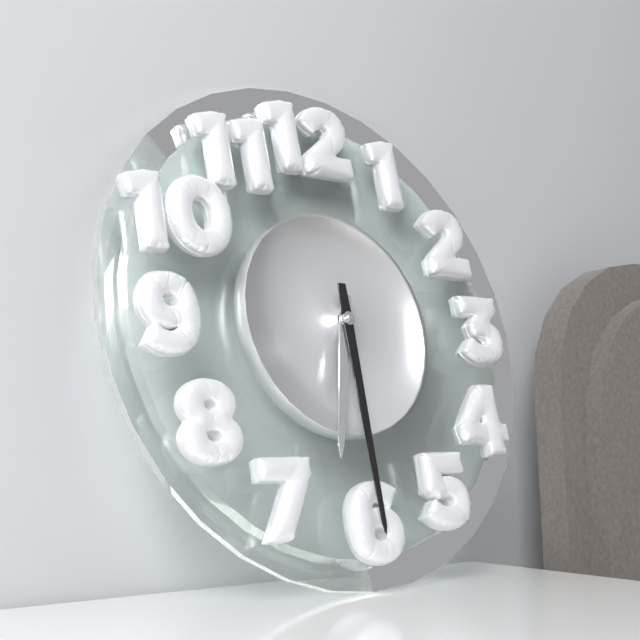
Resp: {"hour": 6, "minute": 30}
